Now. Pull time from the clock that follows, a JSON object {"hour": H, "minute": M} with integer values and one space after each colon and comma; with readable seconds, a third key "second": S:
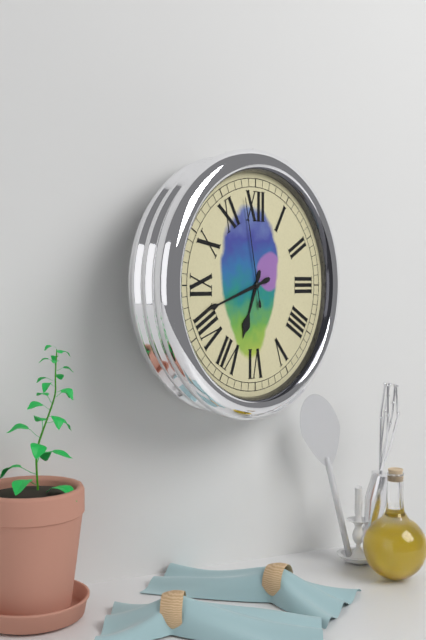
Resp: {"hour": 6, "minute": 42, "second": 58}
